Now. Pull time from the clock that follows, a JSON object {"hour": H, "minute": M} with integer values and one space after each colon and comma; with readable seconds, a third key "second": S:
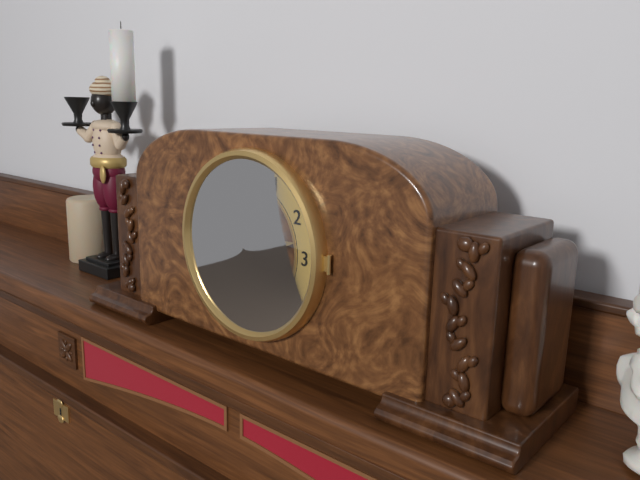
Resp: {"hour": 2, "minute": 35}
